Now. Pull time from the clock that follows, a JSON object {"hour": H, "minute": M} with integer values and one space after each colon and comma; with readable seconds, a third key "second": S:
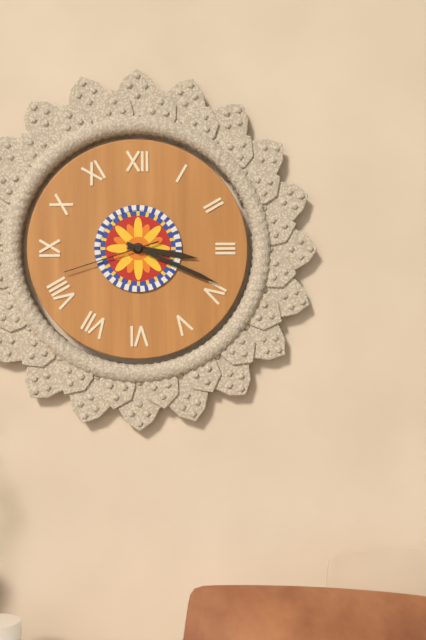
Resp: {"hour": 3, "minute": 19, "second": 42}
